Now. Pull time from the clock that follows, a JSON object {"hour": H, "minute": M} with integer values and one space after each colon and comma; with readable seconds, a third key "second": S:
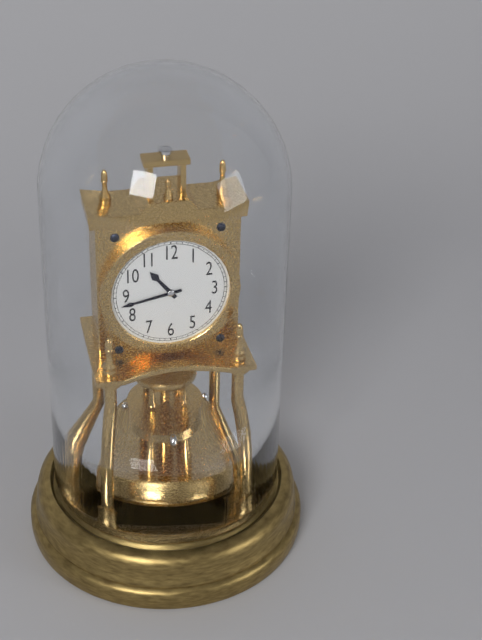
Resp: {"hour": 10, "minute": 43}
